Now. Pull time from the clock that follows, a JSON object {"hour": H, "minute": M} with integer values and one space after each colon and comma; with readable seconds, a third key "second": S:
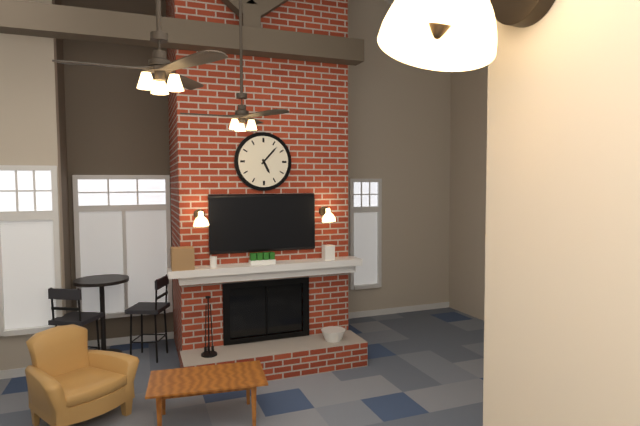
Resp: {"hour": 5, "minute": 7}
